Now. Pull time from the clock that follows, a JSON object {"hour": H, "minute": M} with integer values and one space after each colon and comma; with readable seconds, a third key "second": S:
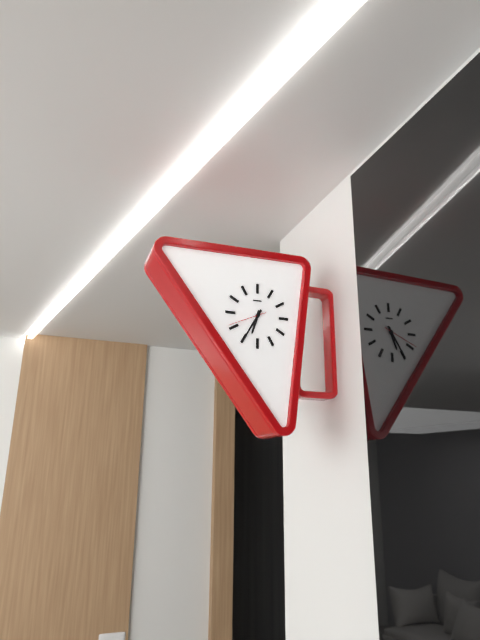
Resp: {"hour": 6, "minute": 35}
